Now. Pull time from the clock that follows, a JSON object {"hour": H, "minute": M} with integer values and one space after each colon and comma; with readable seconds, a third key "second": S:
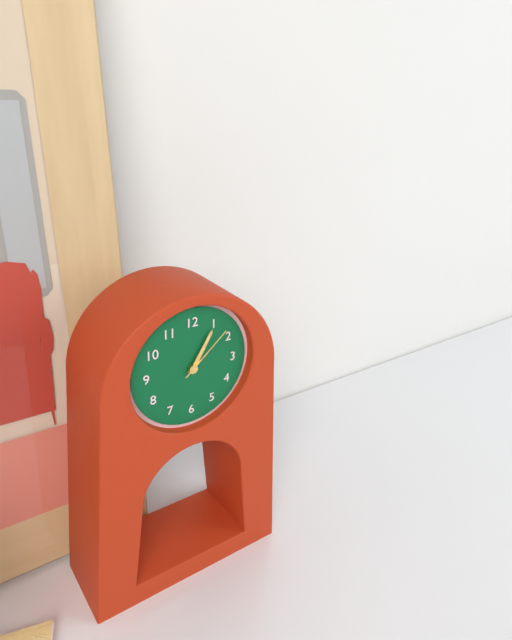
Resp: {"hour": 1, "minute": 5, "second": 8}
